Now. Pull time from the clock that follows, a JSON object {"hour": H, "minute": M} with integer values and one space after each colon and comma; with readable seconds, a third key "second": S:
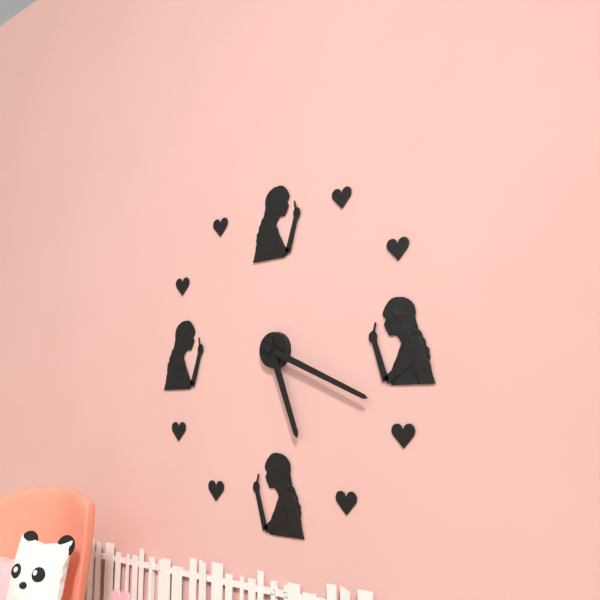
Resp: {"hour": 5, "minute": 19}
